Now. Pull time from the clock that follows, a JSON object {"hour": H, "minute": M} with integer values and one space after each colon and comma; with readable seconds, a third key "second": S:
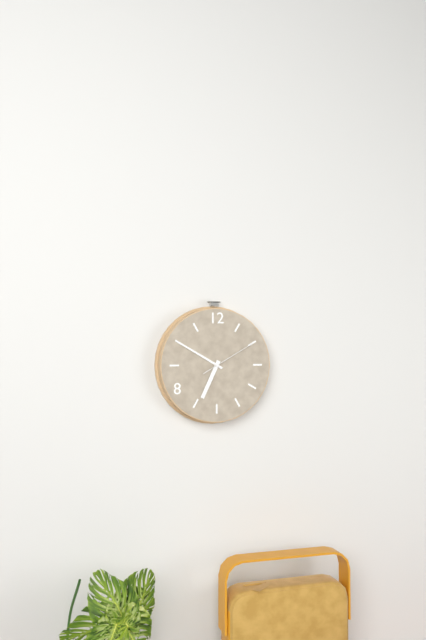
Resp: {"hour": 6, "minute": 50, "second": 10}
